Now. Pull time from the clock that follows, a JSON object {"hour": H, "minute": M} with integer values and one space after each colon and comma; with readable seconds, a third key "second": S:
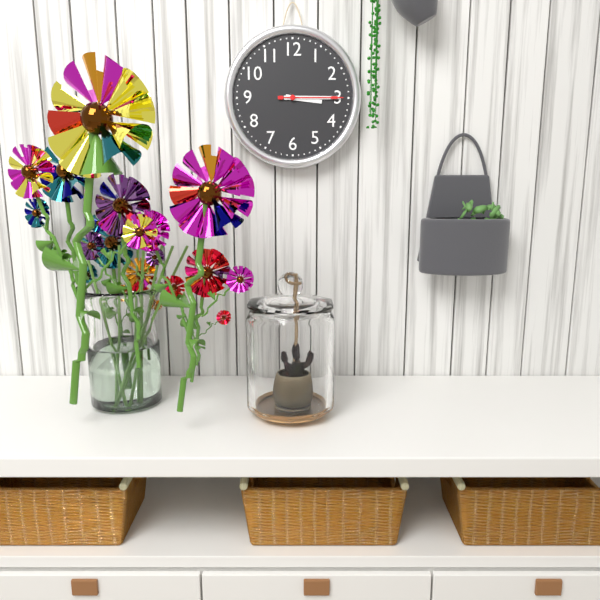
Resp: {"hour": 3, "minute": 15, "second": 15}
